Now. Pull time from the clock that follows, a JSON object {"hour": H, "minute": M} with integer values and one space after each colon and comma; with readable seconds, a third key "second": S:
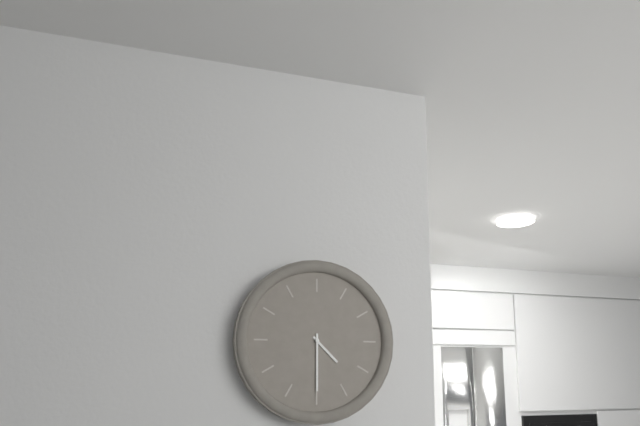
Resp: {"hour": 4, "minute": 30}
